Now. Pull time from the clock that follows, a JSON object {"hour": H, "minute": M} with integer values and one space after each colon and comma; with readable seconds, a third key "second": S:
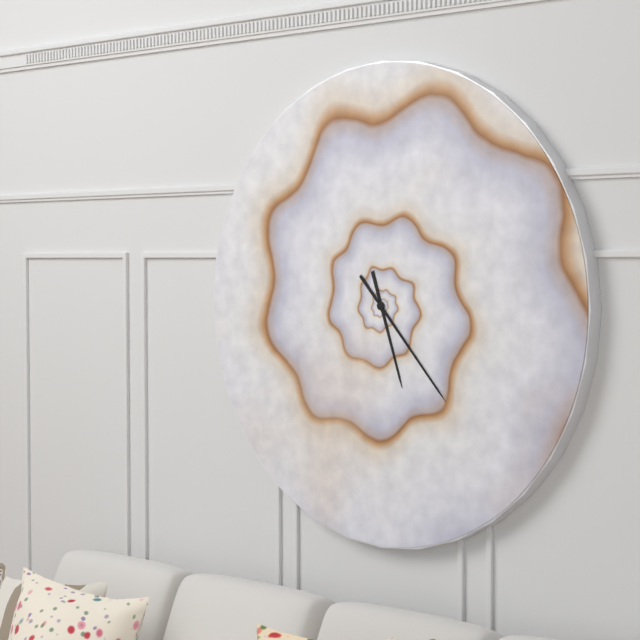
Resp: {"hour": 5, "minute": 23}
